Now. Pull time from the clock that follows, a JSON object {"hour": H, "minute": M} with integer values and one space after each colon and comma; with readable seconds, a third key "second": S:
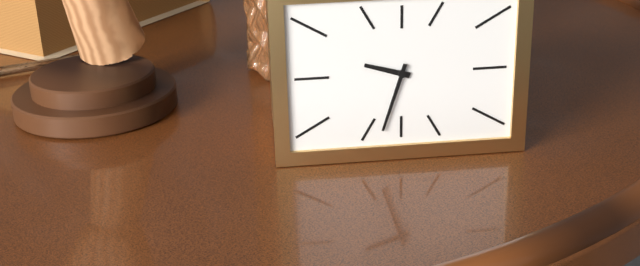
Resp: {"hour": 9, "minute": 33}
